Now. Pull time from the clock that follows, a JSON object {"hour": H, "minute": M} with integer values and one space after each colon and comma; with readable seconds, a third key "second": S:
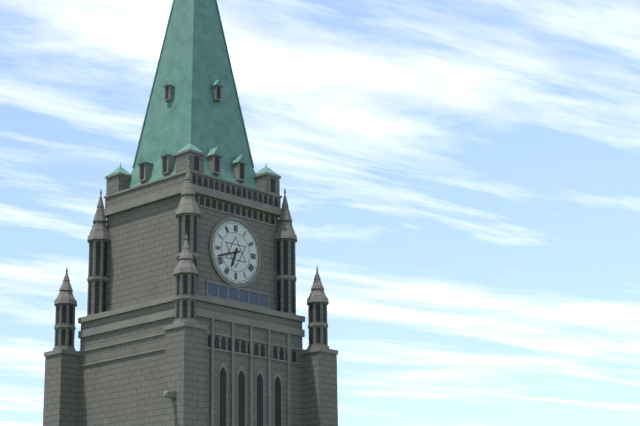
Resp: {"hour": 6, "minute": 42}
